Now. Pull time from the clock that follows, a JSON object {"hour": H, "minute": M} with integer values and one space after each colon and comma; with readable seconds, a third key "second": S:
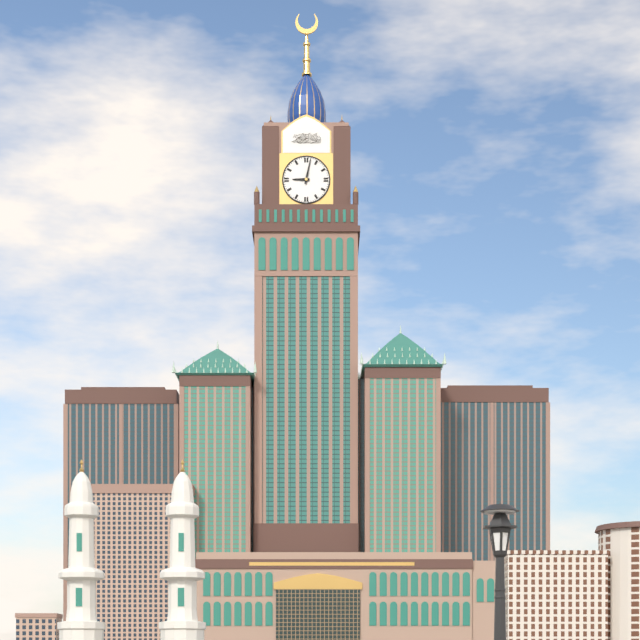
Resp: {"hour": 9, "minute": 2}
